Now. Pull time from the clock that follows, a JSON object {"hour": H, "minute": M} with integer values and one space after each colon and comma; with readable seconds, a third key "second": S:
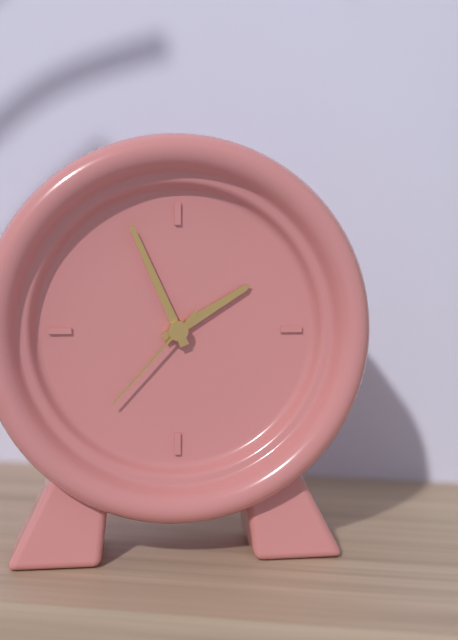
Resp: {"hour": 1, "minute": 56, "second": 37}
